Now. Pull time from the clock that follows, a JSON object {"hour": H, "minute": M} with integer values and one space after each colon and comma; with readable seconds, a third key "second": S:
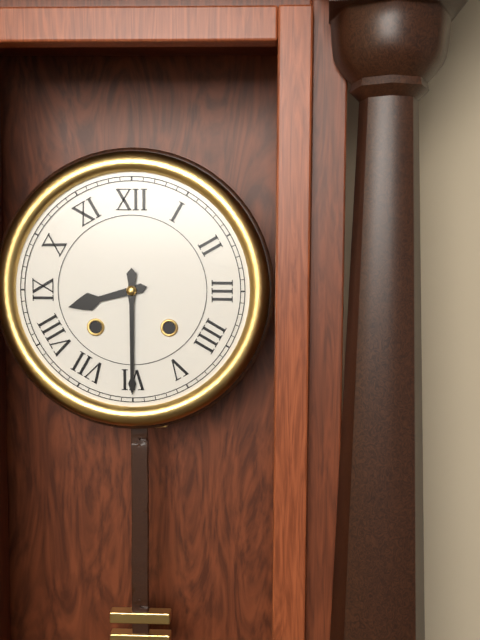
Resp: {"hour": 8, "minute": 30}
